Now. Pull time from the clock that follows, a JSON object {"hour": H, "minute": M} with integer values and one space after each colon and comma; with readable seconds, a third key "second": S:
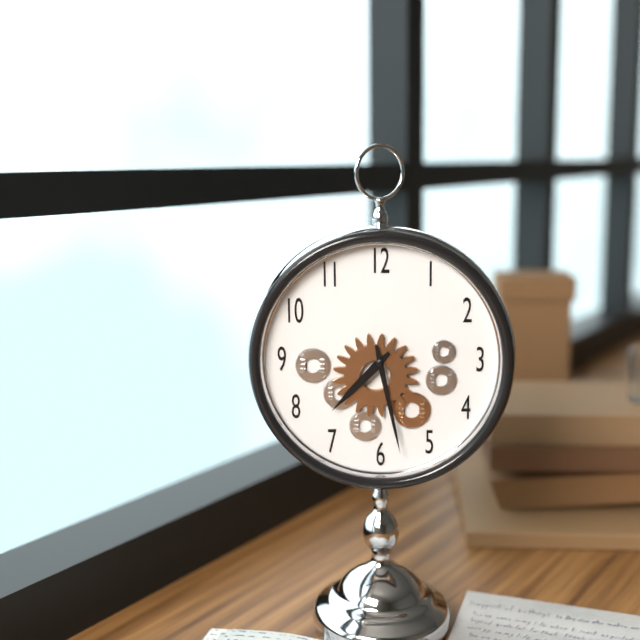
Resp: {"hour": 7, "minute": 28}
